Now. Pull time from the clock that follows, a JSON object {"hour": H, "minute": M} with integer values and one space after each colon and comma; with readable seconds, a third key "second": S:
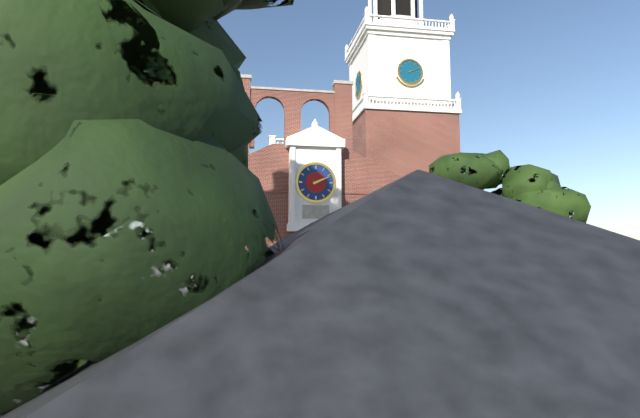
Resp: {"hour": 2, "minute": 11}
